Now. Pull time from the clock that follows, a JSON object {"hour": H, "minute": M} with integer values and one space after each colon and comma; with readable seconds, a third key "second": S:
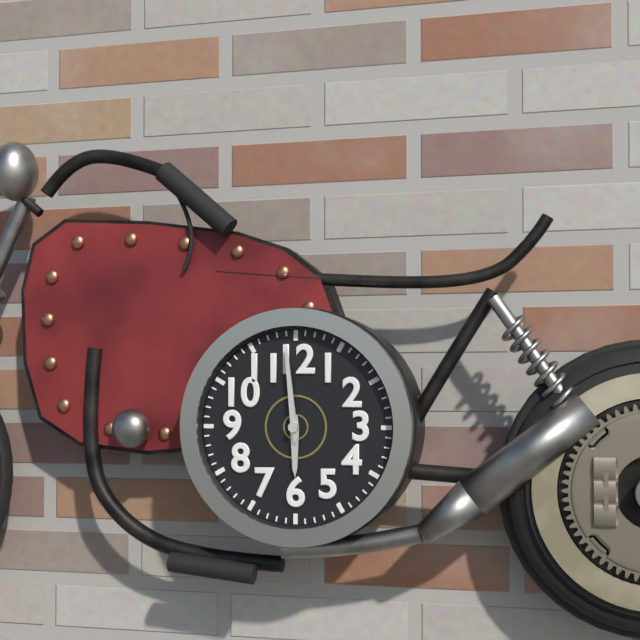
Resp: {"hour": 5, "minute": 59}
